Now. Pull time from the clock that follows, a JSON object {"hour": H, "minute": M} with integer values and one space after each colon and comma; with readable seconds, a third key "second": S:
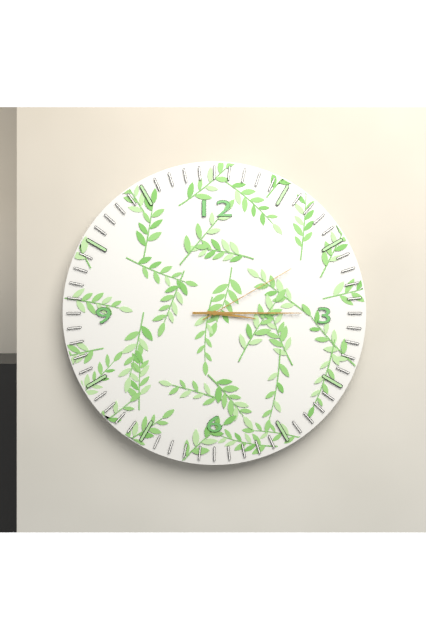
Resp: {"hour": 3, "minute": 15, "second": 10}
